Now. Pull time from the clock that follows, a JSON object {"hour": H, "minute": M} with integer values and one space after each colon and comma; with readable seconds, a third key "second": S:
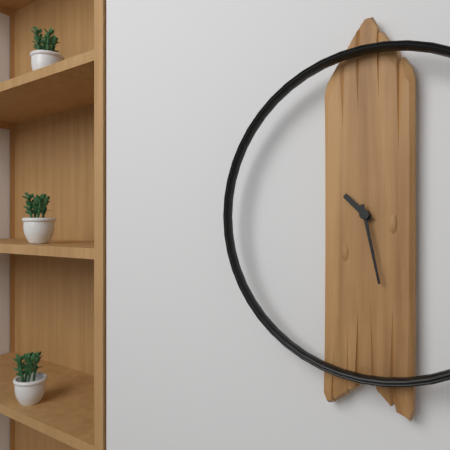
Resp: {"hour": 10, "minute": 28}
